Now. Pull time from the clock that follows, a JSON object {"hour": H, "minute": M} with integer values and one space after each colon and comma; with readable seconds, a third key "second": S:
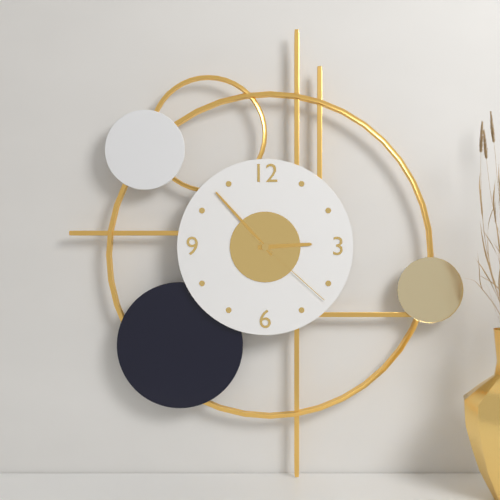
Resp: {"hour": 2, "minute": 53, "second": 22}
